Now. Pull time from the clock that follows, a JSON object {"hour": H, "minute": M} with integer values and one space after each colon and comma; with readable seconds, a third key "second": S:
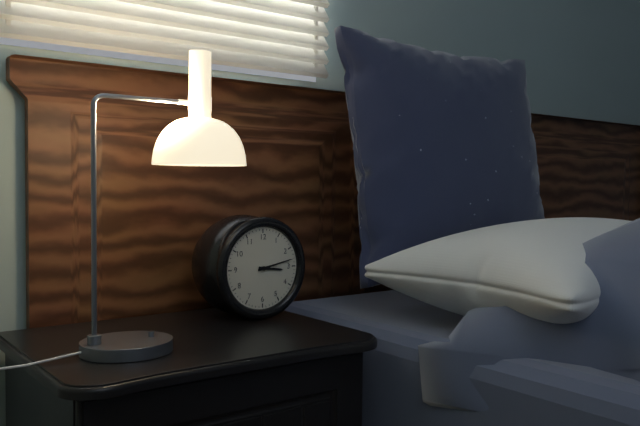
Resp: {"hour": 3, "minute": 13}
